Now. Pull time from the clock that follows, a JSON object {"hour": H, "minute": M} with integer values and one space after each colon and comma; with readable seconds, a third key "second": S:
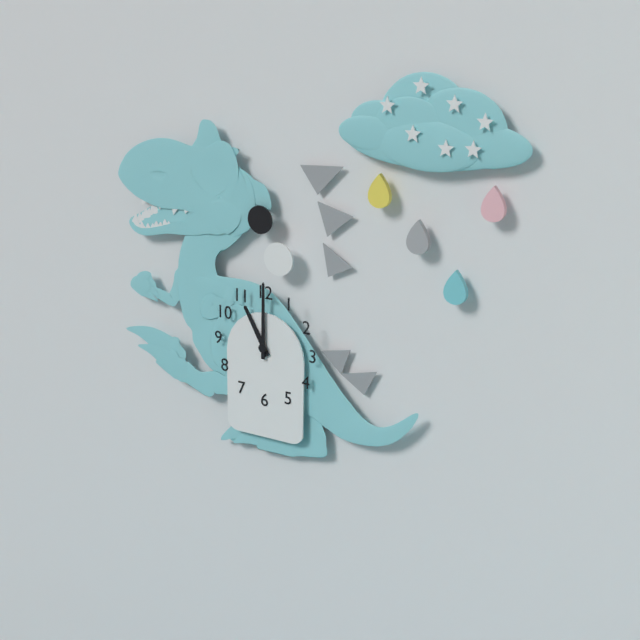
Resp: {"hour": 11, "minute": 0}
